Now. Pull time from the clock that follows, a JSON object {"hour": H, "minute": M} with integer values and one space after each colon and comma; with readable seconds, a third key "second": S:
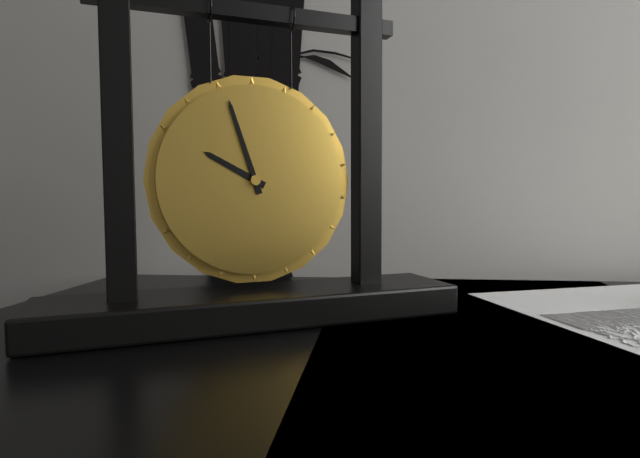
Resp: {"hour": 9, "minute": 57}
